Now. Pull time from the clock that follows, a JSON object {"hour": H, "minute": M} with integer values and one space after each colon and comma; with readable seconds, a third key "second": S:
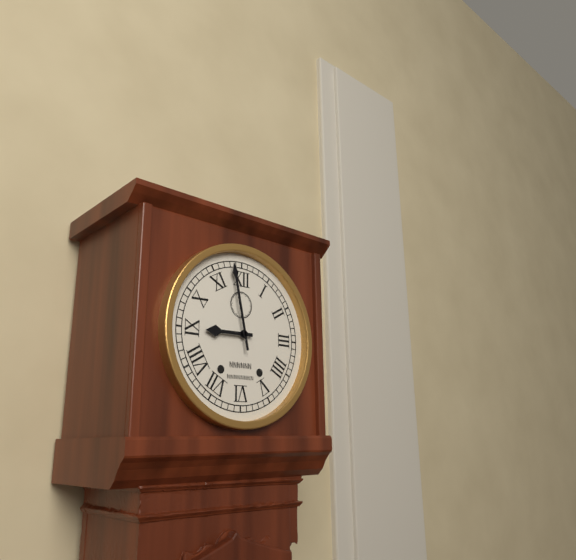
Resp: {"hour": 8, "minute": 58}
